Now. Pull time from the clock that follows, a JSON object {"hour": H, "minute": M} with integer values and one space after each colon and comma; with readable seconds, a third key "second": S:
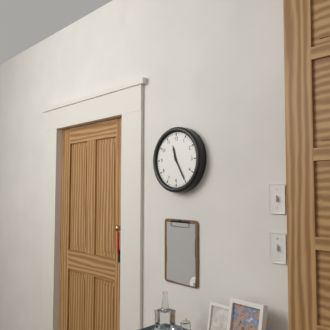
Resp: {"hour": 11, "minute": 25}
